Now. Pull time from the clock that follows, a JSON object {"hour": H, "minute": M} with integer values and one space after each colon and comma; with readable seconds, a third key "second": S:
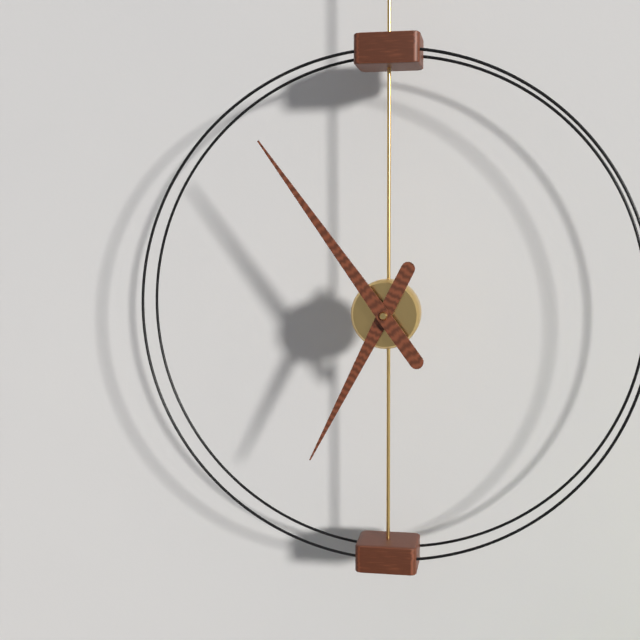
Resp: {"hour": 6, "minute": 54}
